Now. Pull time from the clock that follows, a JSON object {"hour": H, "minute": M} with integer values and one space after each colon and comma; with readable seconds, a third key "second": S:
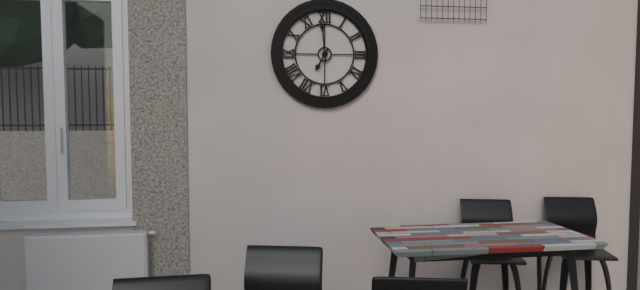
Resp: {"hour": 6, "minute": 59}
